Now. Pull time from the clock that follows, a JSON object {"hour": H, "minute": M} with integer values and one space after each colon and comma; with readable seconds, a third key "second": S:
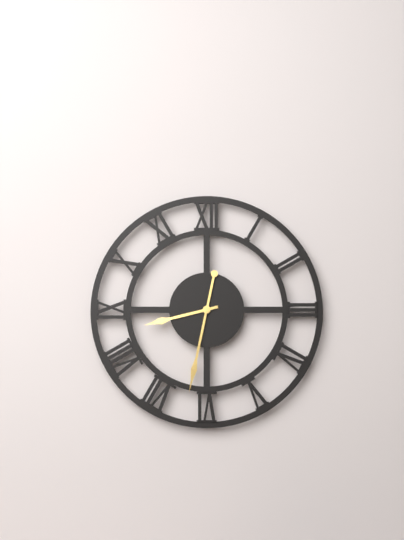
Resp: {"hour": 8, "minute": 32}
